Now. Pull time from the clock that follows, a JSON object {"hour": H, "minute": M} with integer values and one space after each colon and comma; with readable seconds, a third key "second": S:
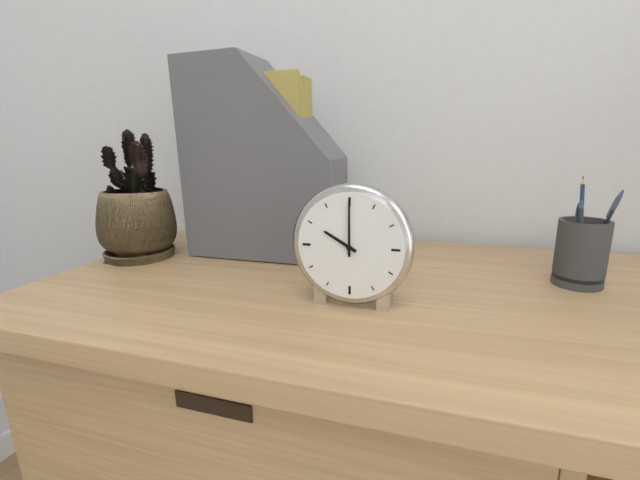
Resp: {"hour": 10, "minute": 0}
